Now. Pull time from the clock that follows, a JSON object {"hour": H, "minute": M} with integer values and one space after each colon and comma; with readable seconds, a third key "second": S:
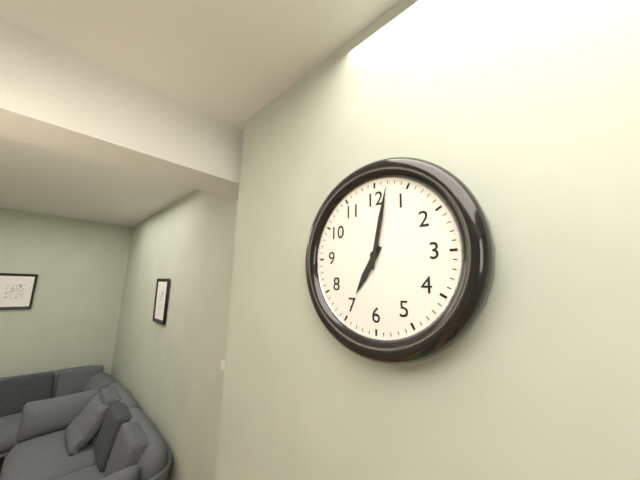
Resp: {"hour": 7, "minute": 2}
